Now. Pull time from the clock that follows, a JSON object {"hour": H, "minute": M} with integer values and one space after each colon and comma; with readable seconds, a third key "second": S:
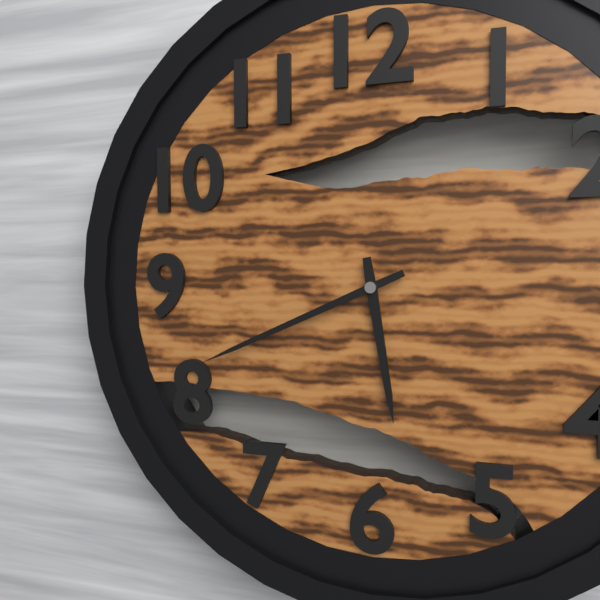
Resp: {"hour": 5, "minute": 41}
